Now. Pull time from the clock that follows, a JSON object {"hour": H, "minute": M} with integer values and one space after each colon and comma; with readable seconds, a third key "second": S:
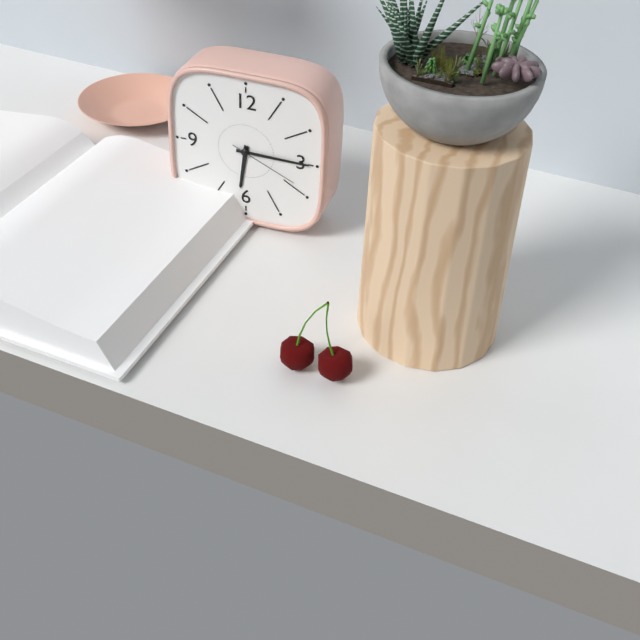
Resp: {"hour": 6, "minute": 15, "second": 19}
